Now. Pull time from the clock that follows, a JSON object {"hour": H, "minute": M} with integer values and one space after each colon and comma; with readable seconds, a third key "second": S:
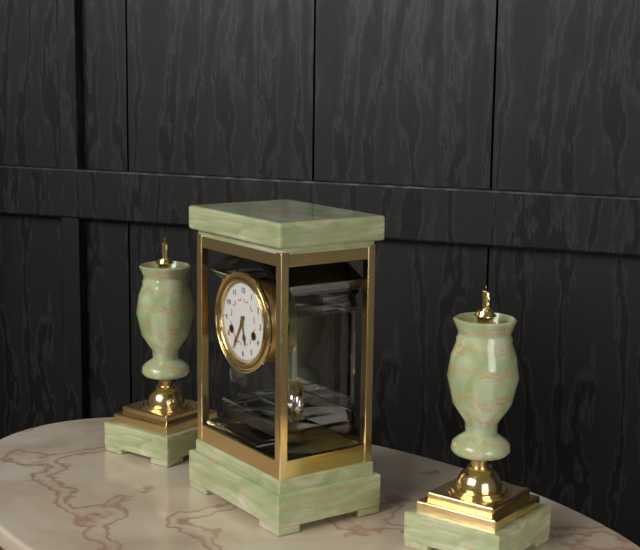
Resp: {"hour": 5, "minute": 35}
